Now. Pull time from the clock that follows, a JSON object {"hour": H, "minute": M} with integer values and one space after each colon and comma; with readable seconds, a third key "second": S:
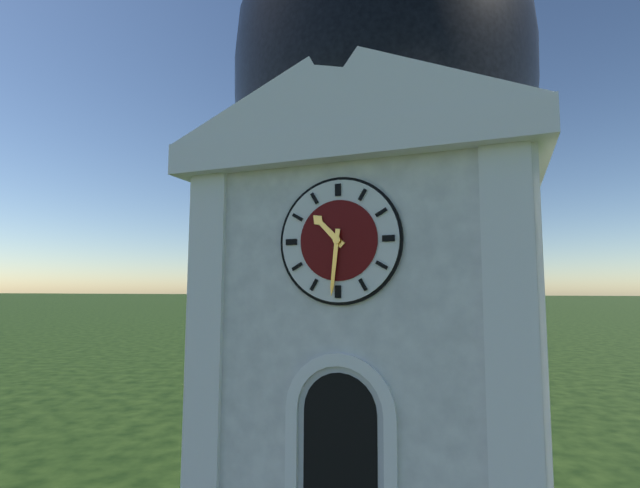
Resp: {"hour": 10, "minute": 31}
